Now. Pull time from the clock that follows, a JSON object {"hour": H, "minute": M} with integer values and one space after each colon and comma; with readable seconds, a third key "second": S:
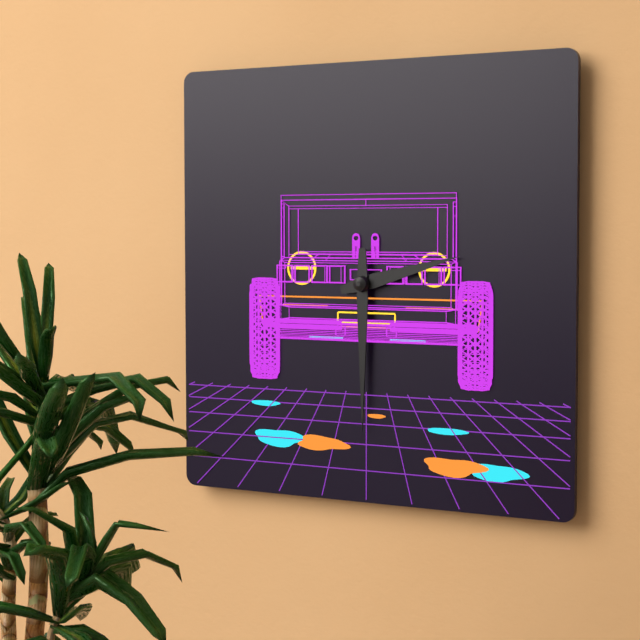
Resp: {"hour": 2, "minute": 30}
